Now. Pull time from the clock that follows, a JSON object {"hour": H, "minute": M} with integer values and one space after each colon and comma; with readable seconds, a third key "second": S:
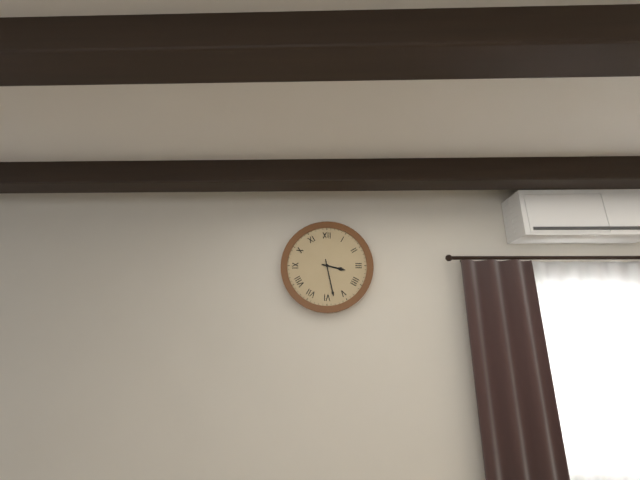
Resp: {"hour": 3, "minute": 28}
